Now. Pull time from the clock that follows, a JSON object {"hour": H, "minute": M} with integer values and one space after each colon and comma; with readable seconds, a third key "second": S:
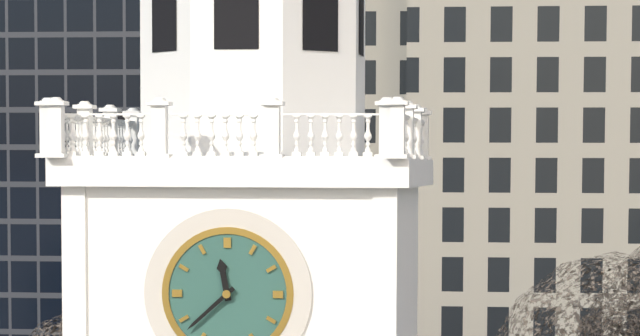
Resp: {"hour": 11, "minute": 38}
